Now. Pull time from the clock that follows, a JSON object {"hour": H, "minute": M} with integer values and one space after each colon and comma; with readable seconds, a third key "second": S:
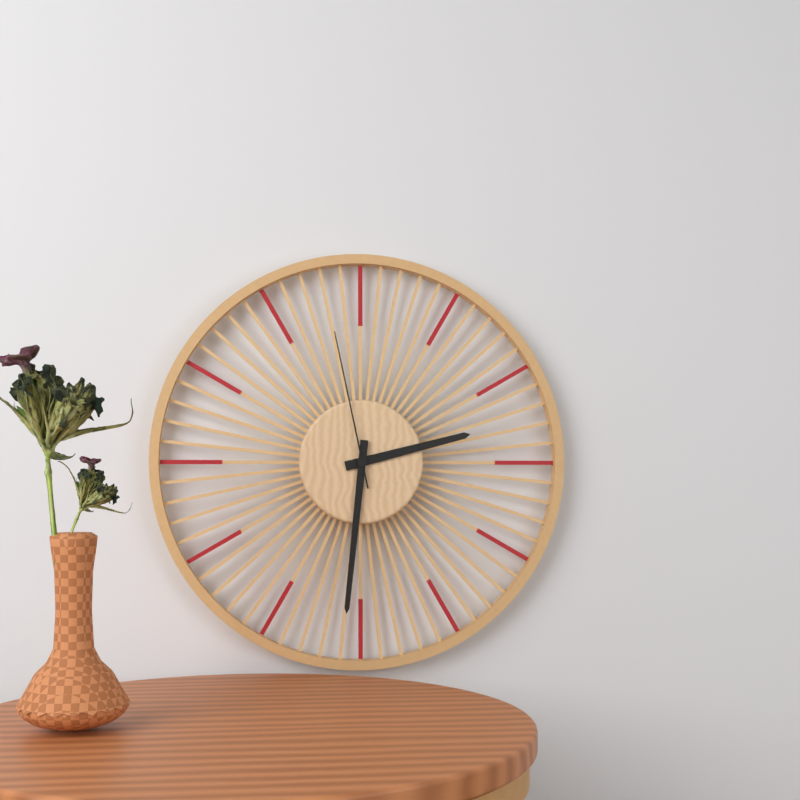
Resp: {"hour": 2, "minute": 31, "second": 58}
